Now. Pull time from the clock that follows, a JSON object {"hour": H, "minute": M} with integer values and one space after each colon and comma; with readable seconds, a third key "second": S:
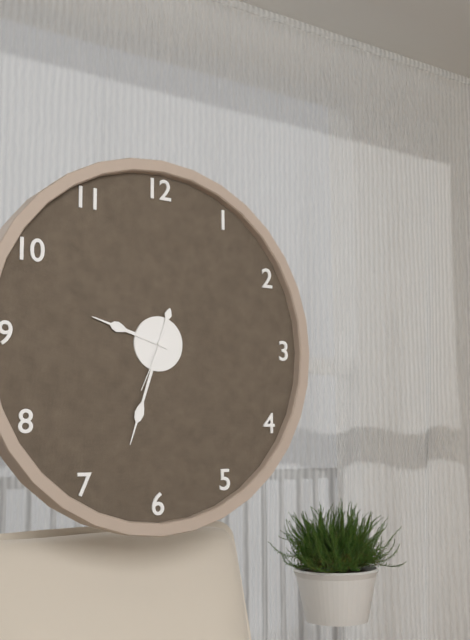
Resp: {"hour": 9, "minute": 33, "second": 34}
